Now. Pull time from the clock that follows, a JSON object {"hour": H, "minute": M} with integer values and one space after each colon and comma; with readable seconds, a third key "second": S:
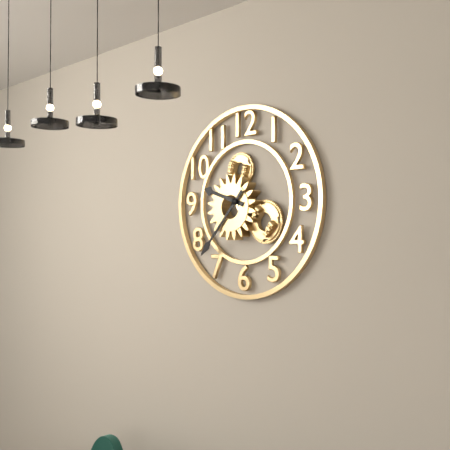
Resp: {"hour": 9, "minute": 37}
